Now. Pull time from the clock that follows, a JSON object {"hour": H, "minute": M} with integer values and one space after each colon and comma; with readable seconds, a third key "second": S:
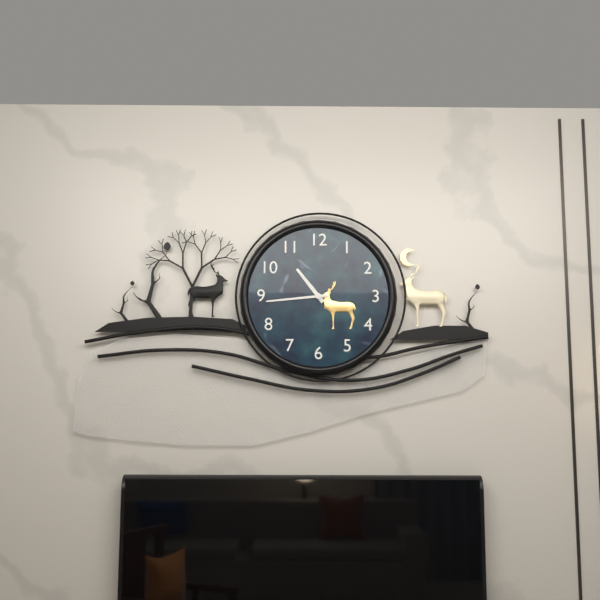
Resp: {"hour": 10, "minute": 44}
